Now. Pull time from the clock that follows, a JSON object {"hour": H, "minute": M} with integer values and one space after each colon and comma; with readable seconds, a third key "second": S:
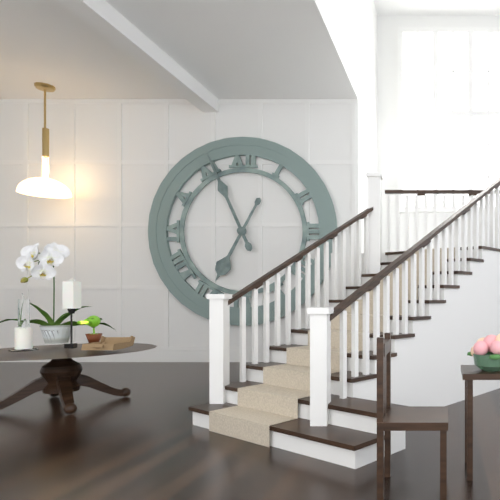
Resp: {"hour": 6, "minute": 56}
